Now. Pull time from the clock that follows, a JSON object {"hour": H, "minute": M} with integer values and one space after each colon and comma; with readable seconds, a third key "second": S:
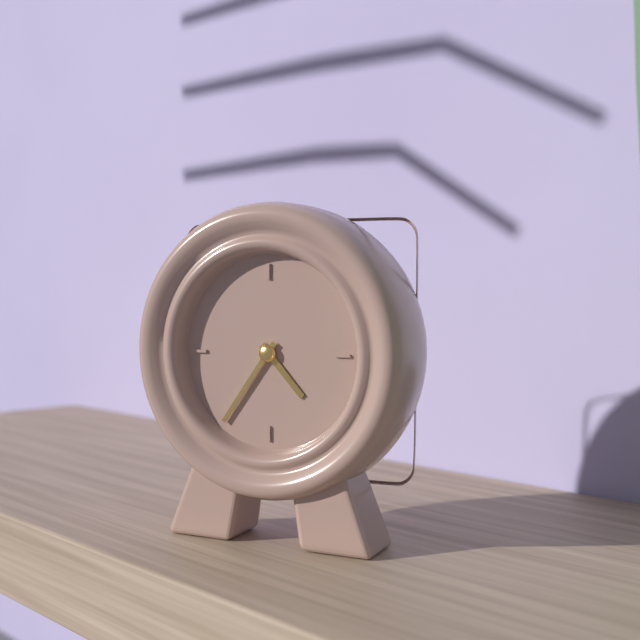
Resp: {"hour": 4, "minute": 36}
